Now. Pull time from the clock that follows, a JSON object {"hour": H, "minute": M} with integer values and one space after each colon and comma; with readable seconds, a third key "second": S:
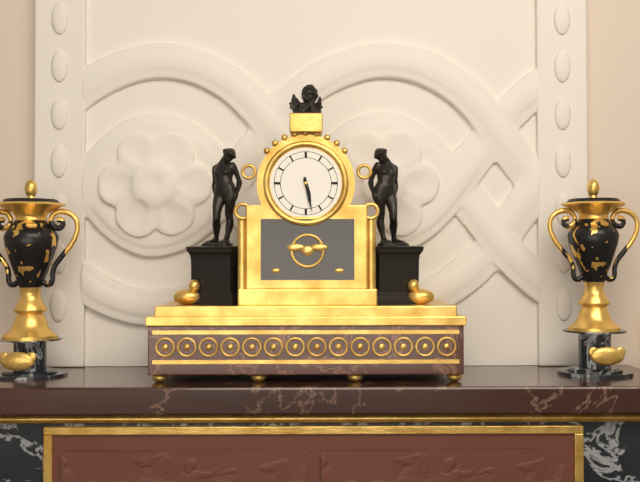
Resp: {"hour": 5, "minute": 28}
